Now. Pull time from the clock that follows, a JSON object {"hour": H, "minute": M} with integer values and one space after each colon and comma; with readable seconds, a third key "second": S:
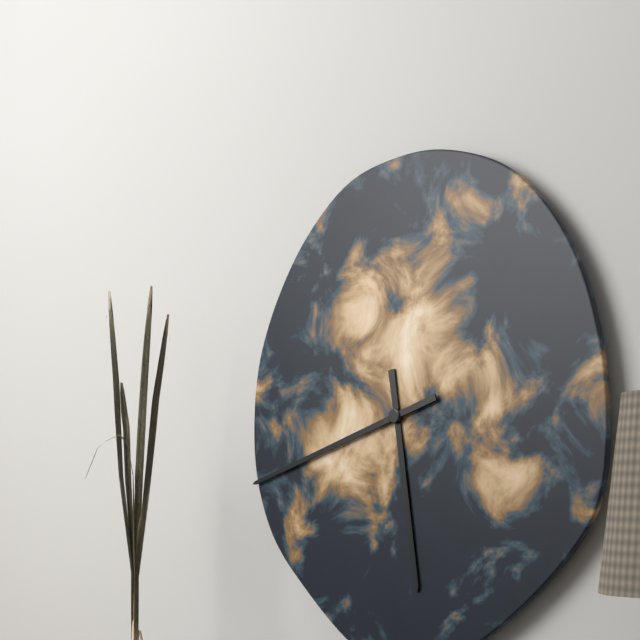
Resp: {"hour": 5, "minute": 42}
